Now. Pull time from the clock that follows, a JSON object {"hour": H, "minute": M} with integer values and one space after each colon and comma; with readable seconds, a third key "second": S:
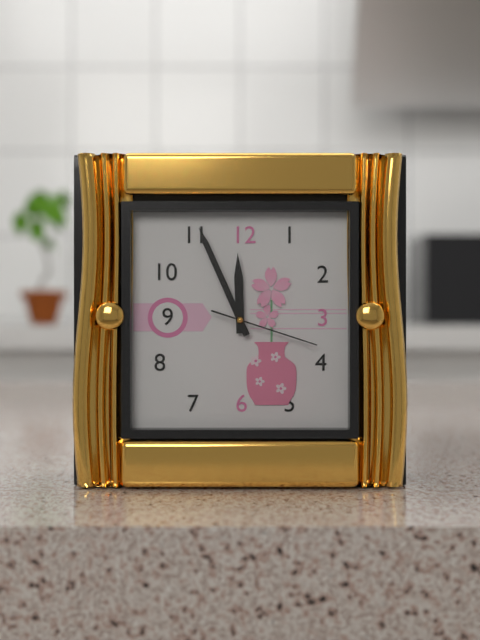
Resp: {"hour": 11, "minute": 56, "second": 18}
